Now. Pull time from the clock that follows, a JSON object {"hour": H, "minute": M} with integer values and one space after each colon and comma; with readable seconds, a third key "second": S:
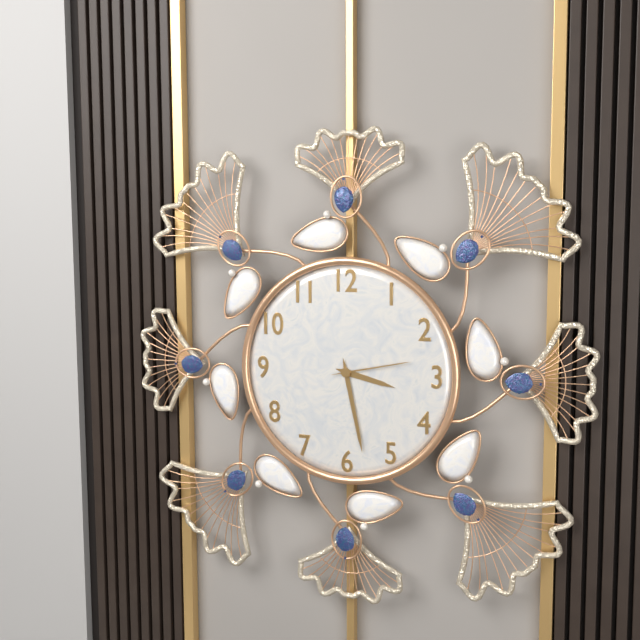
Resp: {"hour": 3, "minute": 28, "second": 13}
